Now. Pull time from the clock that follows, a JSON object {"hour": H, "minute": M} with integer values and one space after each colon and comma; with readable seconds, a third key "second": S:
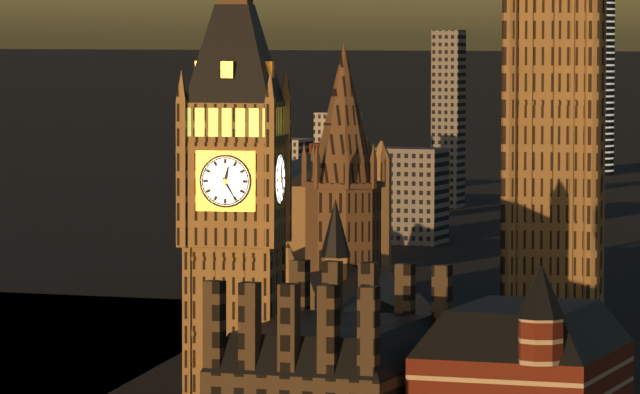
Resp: {"hour": 12, "minute": 25}
